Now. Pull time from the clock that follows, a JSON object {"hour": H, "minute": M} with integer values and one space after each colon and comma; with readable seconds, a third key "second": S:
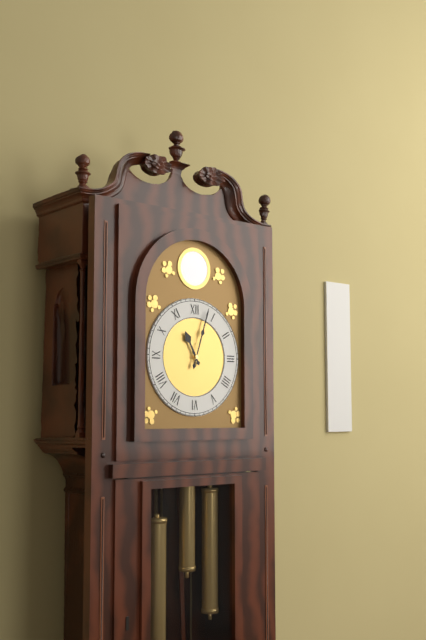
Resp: {"hour": 11, "minute": 3}
